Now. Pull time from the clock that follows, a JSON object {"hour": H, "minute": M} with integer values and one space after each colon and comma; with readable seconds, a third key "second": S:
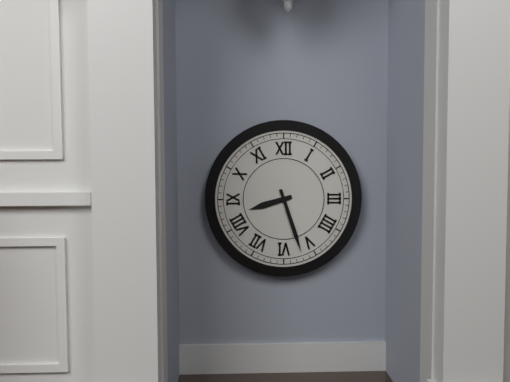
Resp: {"hour": 8, "minute": 27}
